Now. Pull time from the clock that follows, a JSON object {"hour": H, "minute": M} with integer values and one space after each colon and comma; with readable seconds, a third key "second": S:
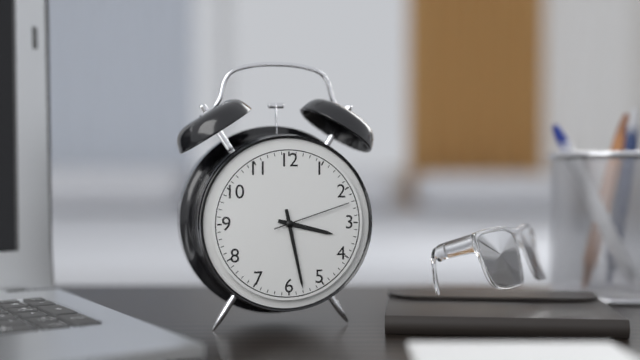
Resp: {"hour": 3, "minute": 28, "second": 12}
